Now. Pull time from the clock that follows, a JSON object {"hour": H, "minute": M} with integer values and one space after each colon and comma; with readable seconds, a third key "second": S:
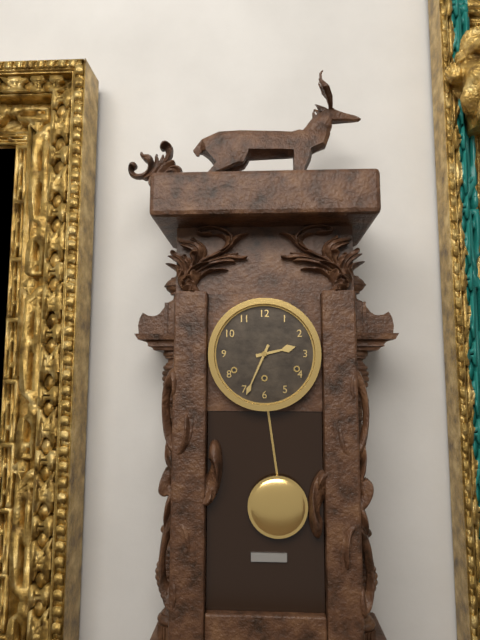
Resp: {"hour": 2, "minute": 34}
